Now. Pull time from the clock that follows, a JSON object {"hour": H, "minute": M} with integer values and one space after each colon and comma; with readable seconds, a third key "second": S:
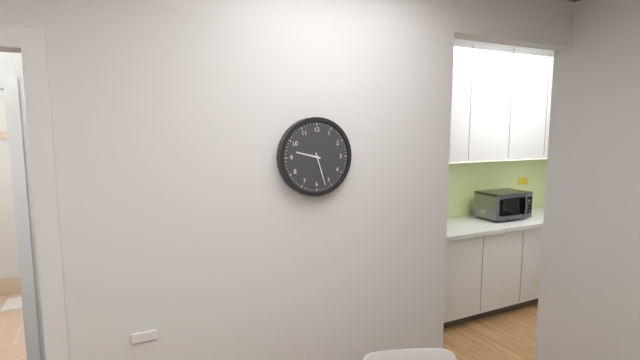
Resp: {"hour": 9, "minute": 27}
